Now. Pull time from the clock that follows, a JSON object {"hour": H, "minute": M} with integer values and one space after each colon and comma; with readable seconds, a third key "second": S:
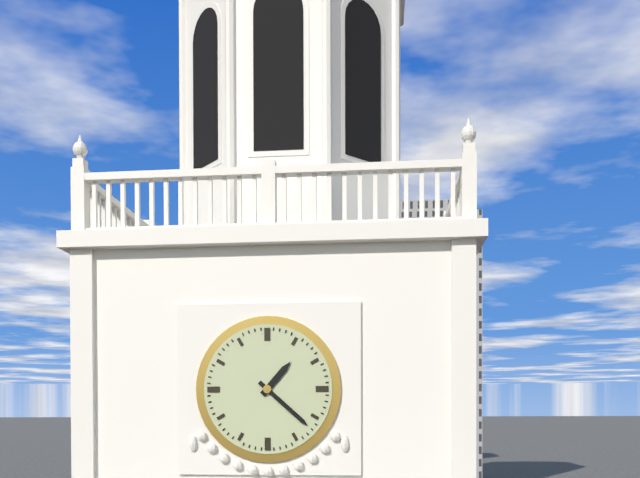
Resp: {"hour": 1, "minute": 22}
